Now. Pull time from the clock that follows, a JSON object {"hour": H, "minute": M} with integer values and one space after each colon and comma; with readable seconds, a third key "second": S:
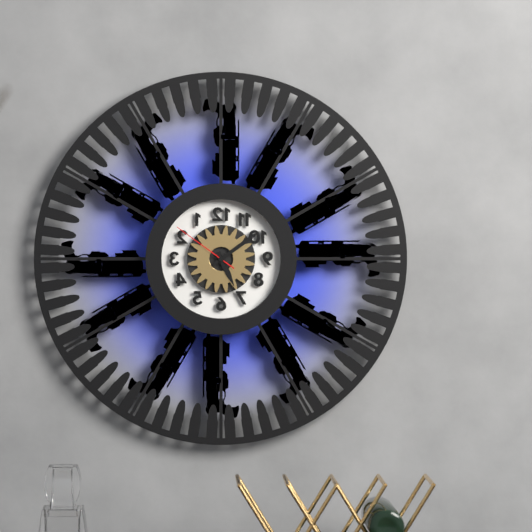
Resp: {"hour": 5, "minute": 9, "second": 51}
